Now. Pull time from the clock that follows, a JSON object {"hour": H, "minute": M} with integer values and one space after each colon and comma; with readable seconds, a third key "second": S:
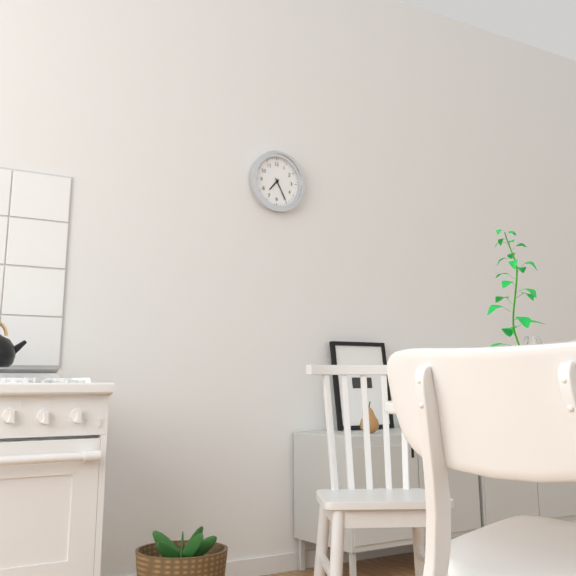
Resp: {"hour": 7, "minute": 25}
